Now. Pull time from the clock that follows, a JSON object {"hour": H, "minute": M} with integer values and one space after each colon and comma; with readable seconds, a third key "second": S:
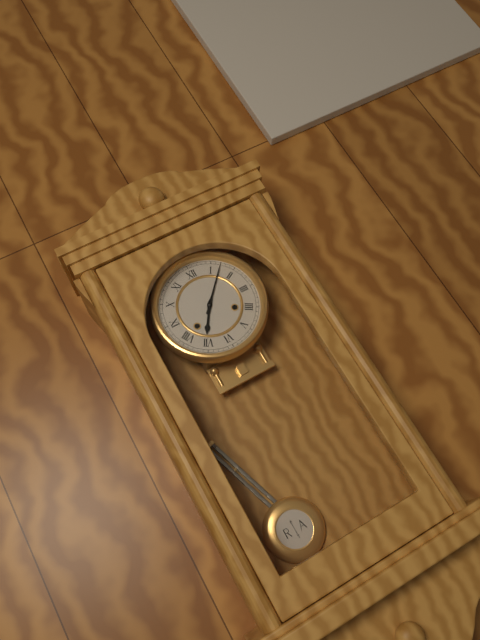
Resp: {"hour": 7, "minute": 7}
